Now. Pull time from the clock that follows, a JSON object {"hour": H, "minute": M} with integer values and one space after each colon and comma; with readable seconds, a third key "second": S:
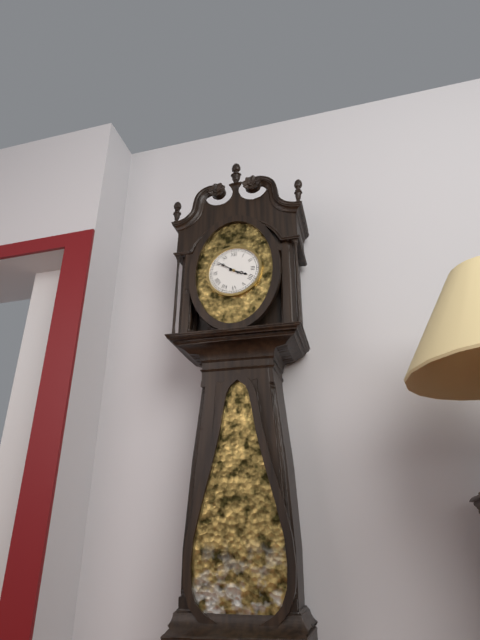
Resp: {"hour": 3, "minute": 51}
